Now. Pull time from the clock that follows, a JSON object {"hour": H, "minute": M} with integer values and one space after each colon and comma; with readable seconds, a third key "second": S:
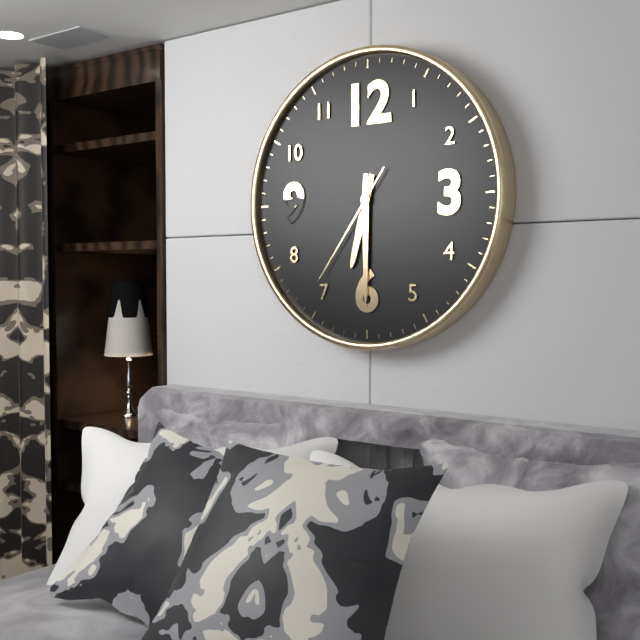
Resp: {"hour": 6, "minute": 30, "second": 36}
